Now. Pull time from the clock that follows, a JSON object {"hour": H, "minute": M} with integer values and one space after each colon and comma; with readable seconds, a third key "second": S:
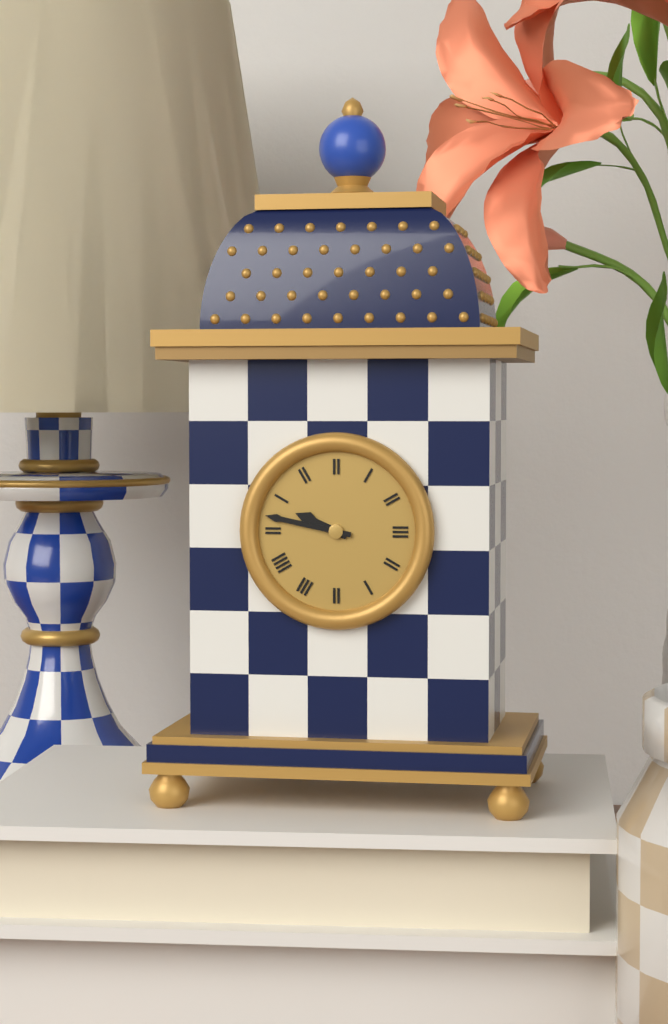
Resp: {"hour": 9, "minute": 47}
